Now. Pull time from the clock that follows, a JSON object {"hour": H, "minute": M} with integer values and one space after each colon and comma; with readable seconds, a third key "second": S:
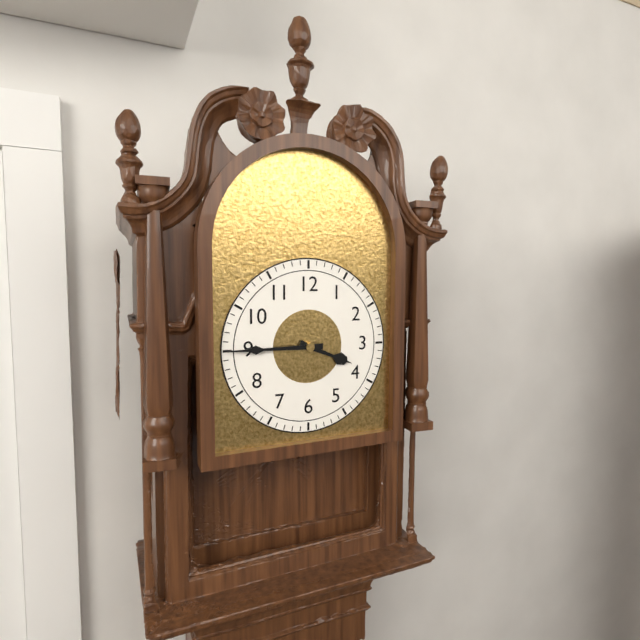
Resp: {"hour": 3, "minute": 45}
